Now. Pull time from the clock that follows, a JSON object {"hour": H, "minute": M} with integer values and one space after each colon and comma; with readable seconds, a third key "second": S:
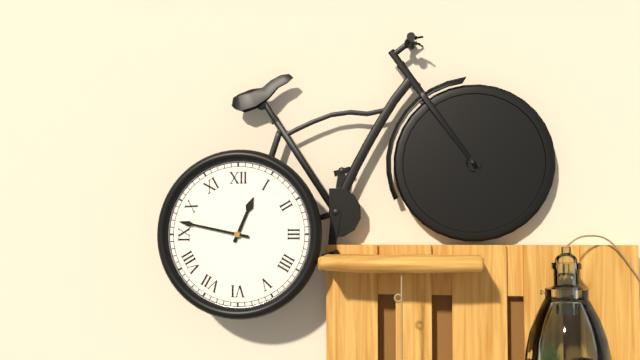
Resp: {"hour": 12, "minute": 47}
